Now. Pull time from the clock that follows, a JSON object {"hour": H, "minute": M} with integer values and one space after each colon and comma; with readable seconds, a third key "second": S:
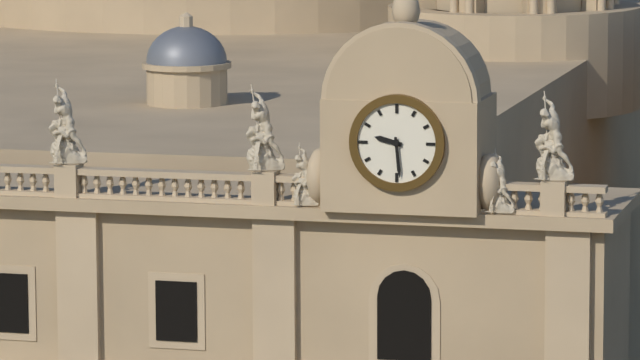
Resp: {"hour": 9, "minute": 29}
